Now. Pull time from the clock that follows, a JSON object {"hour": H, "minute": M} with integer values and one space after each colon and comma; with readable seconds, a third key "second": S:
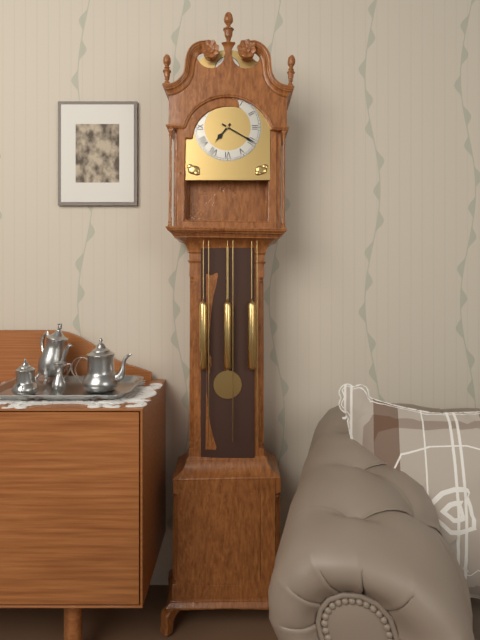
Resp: {"hour": 7, "minute": 20}
